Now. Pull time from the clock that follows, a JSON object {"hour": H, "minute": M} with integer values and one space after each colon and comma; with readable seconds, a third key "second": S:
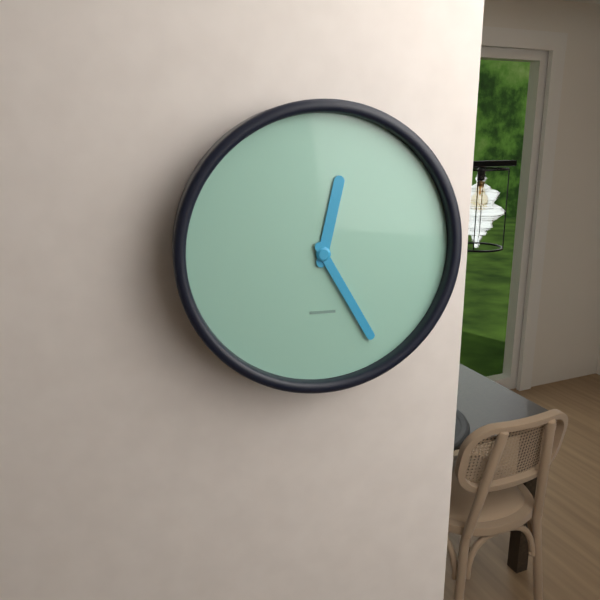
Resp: {"hour": 12, "minute": 25}
